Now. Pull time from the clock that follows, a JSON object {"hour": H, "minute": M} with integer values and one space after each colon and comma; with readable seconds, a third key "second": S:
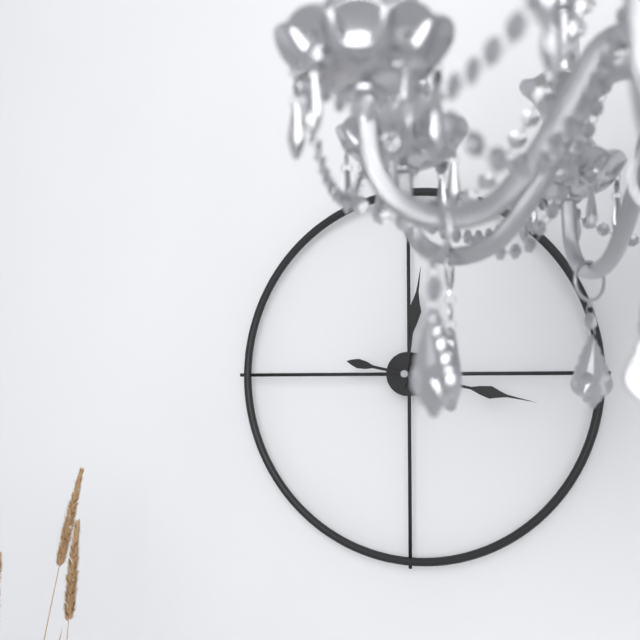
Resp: {"hour": 12, "minute": 17}
